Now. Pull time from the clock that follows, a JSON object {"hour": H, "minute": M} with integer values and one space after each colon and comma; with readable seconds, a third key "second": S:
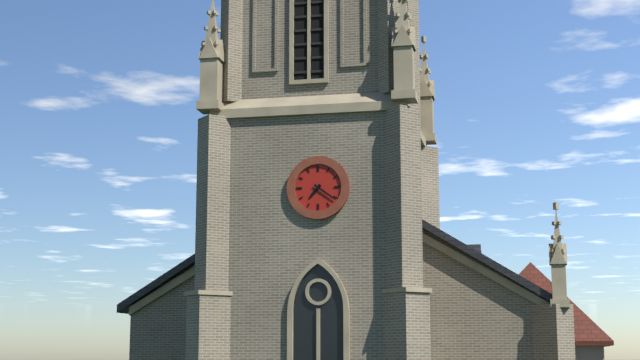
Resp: {"hour": 7, "minute": 21}
